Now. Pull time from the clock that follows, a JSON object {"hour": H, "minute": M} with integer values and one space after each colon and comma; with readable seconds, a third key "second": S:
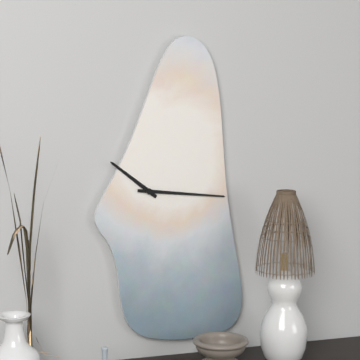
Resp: {"hour": 10, "minute": 16}
